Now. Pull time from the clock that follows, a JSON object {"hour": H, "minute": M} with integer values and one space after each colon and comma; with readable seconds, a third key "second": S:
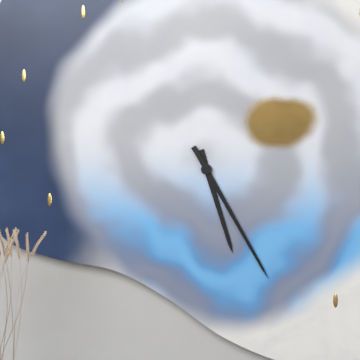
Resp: {"hour": 5, "minute": 25}
